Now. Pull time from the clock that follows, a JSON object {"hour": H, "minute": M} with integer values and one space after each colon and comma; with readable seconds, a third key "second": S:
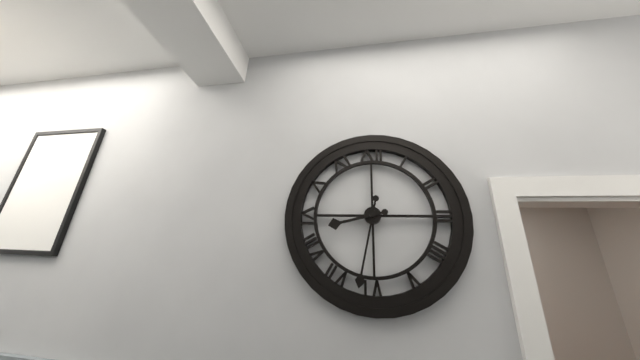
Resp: {"hour": 8, "minute": 32}
